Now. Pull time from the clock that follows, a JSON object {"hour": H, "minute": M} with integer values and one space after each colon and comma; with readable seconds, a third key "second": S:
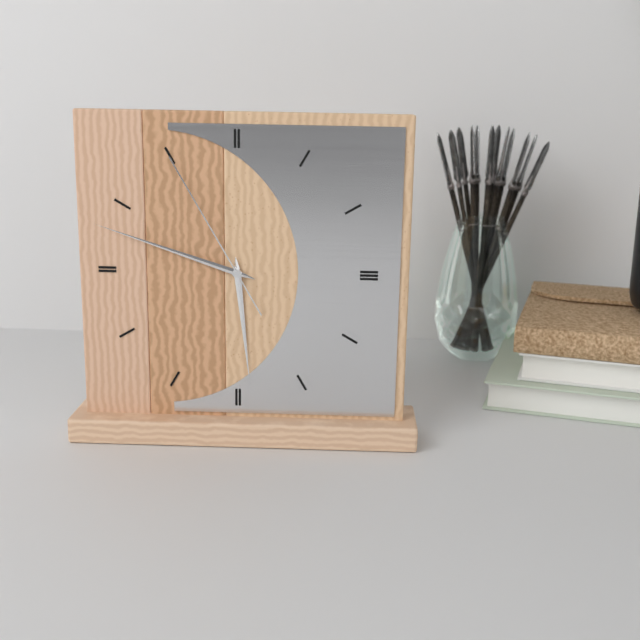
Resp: {"hour": 5, "minute": 48, "second": 55}
